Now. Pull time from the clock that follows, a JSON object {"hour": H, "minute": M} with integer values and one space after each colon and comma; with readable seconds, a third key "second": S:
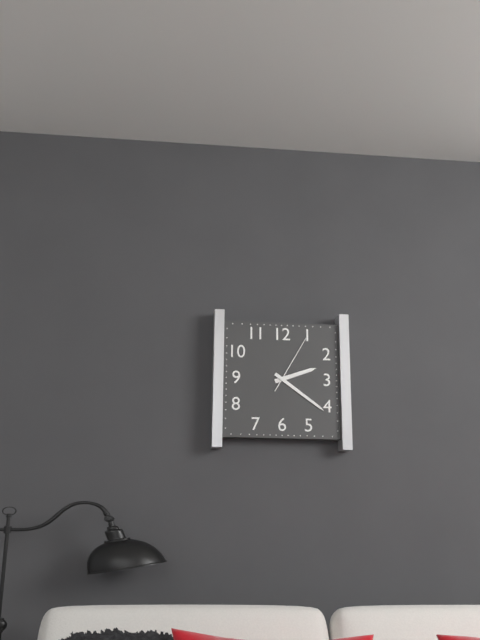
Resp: {"hour": 2, "minute": 21, "second": 5}
